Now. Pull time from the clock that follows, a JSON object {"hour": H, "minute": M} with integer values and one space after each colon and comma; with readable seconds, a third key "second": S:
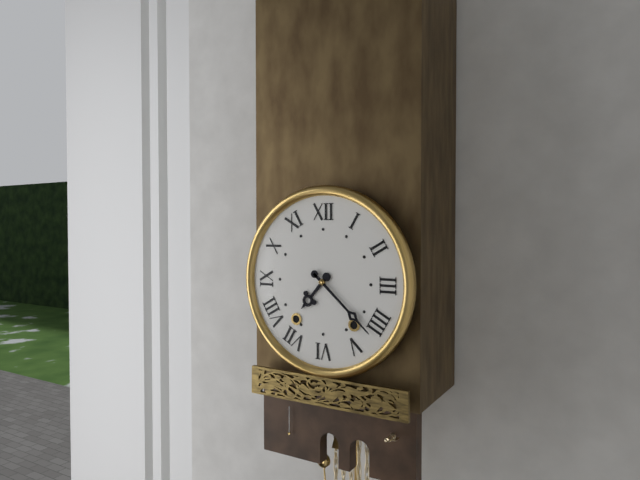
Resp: {"hour": 7, "minute": 22}
